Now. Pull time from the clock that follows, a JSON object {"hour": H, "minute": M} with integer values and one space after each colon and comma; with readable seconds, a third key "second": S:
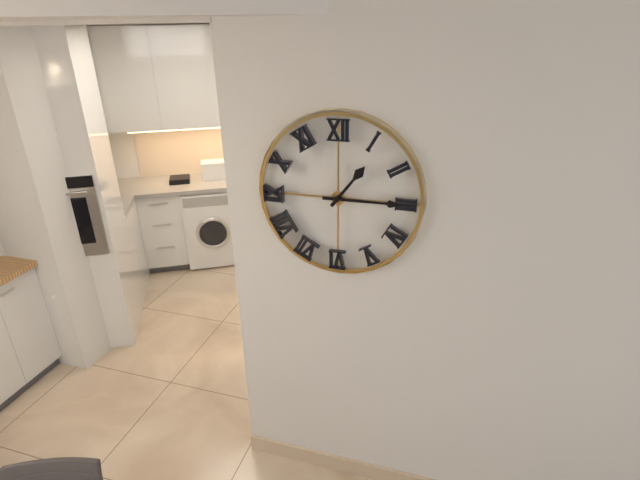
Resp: {"hour": 1, "minute": 15}
